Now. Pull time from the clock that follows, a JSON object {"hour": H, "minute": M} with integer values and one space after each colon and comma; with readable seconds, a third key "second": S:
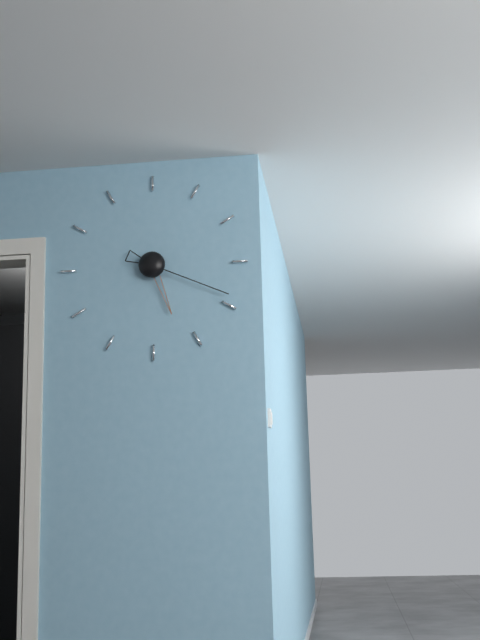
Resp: {"hour": 5, "minute": 19}
